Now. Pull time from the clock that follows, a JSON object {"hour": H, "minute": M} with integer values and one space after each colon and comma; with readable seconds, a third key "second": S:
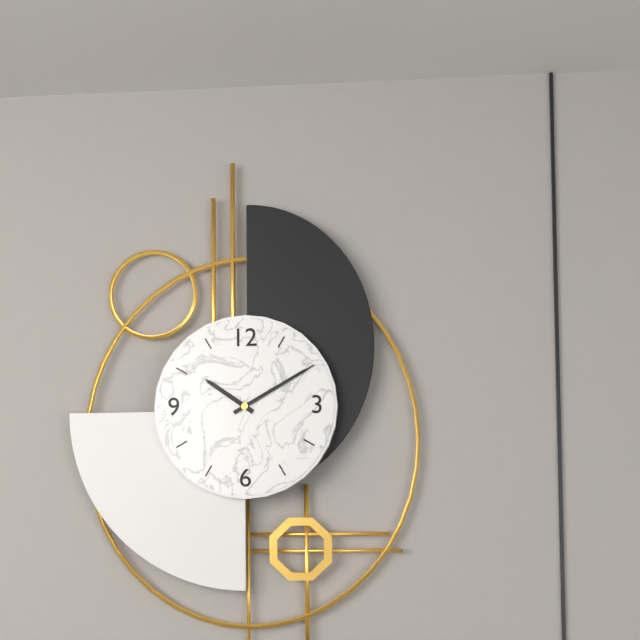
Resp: {"hour": 10, "minute": 10}
